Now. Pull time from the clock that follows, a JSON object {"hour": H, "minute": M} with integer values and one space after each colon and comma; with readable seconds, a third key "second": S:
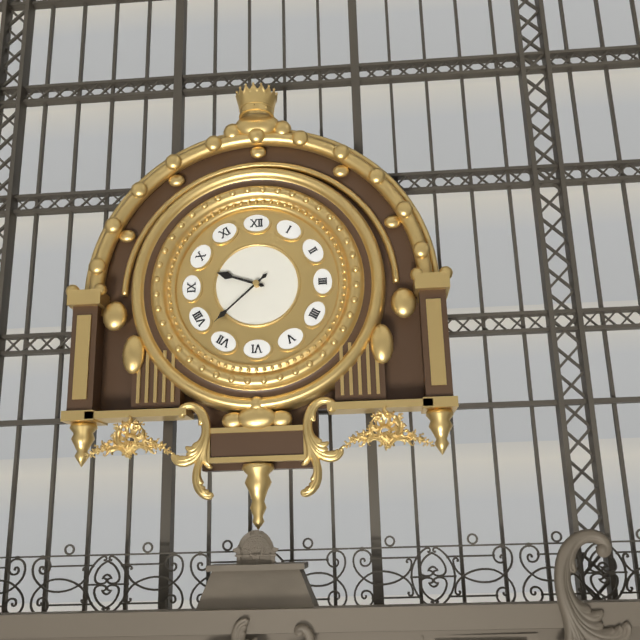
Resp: {"hour": 9, "minute": 38}
